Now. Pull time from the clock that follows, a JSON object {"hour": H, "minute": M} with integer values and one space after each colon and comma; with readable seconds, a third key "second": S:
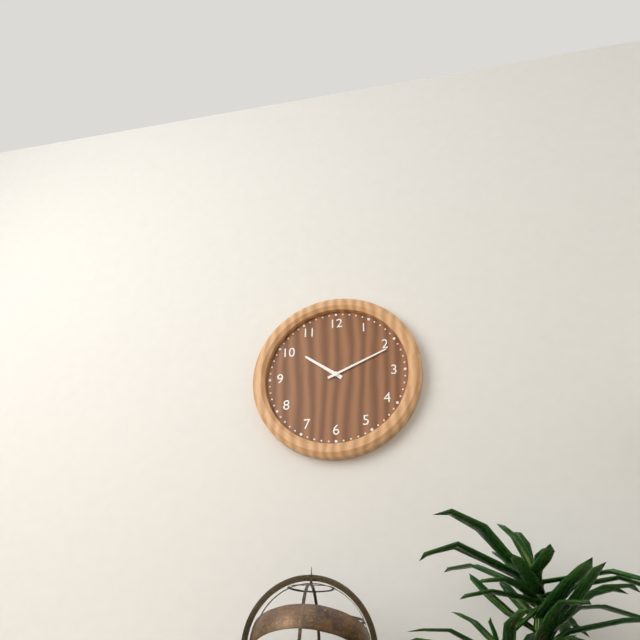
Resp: {"hour": 10, "minute": 11}
